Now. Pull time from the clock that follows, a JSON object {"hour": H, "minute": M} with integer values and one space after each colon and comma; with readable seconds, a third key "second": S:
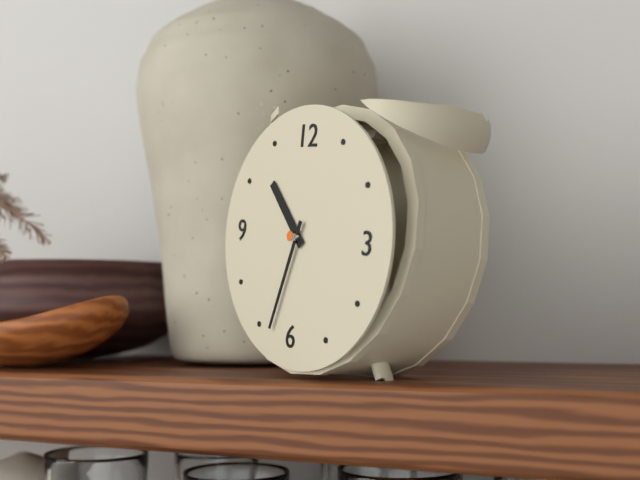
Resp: {"hour": 10, "minute": 33}
